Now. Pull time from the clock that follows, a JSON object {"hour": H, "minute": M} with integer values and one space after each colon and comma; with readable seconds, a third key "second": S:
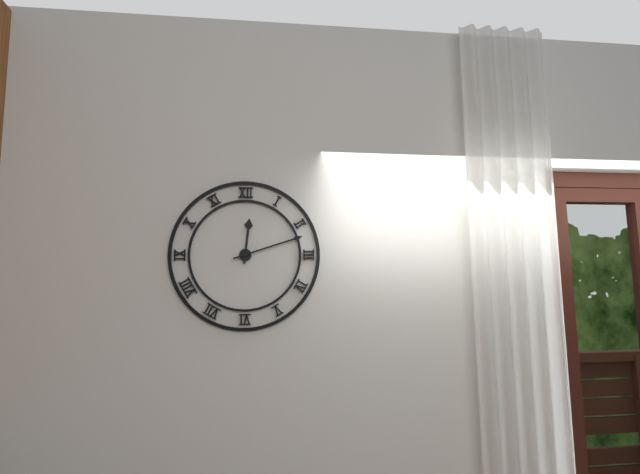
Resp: {"hour": 12, "minute": 12}
